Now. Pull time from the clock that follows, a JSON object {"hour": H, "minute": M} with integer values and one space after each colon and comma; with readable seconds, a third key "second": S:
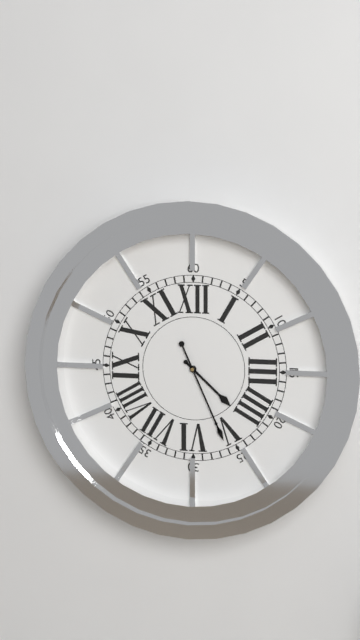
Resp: {"hour": 4, "minute": 26}
